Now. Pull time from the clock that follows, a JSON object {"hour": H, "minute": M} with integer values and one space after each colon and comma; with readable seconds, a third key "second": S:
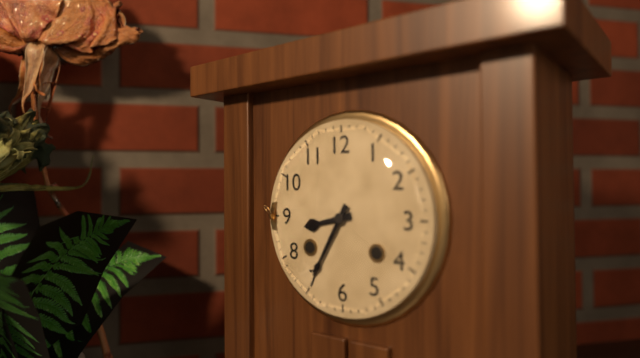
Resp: {"hour": 8, "minute": 35}
